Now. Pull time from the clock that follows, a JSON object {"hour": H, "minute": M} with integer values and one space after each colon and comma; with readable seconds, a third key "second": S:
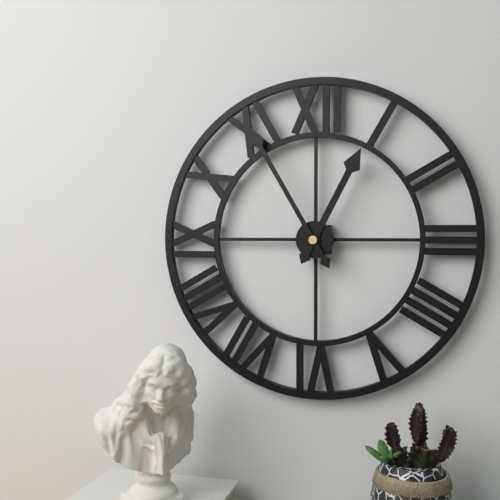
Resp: {"hour": 12, "minute": 55}
